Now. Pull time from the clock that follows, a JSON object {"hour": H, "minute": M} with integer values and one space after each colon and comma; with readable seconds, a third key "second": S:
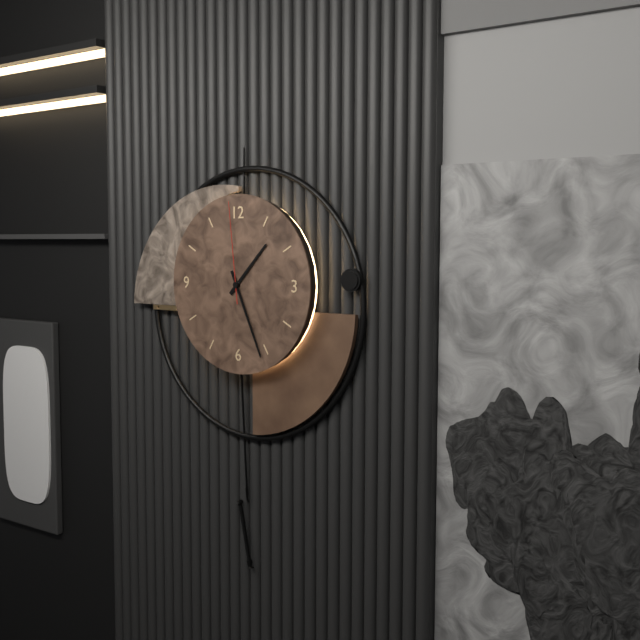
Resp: {"hour": 1, "minute": 26, "second": 59}
